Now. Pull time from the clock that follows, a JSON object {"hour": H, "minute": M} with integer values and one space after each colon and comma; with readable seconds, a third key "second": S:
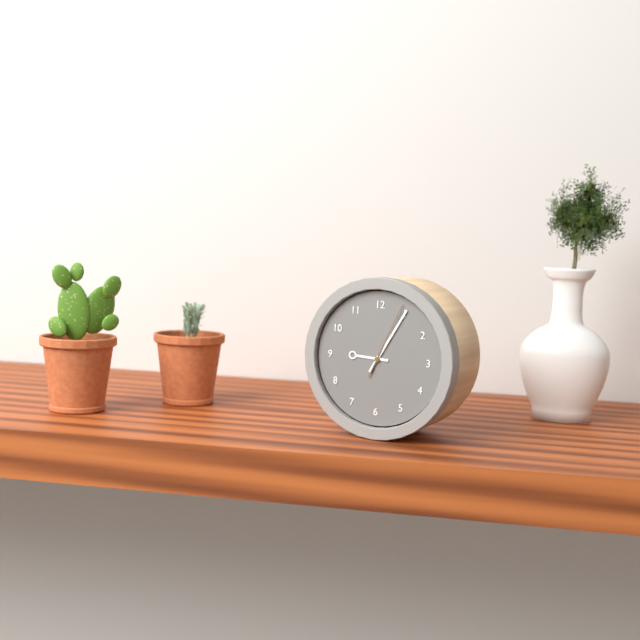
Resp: {"hour": 9, "minute": 5, "second": 4}
